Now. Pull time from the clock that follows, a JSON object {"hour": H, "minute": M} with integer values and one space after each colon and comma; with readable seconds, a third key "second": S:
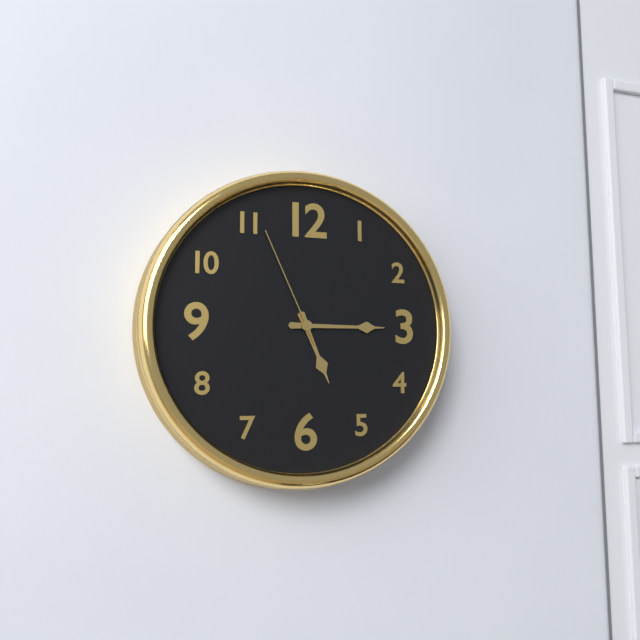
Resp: {"hour": 5, "minute": 15, "second": 56}
